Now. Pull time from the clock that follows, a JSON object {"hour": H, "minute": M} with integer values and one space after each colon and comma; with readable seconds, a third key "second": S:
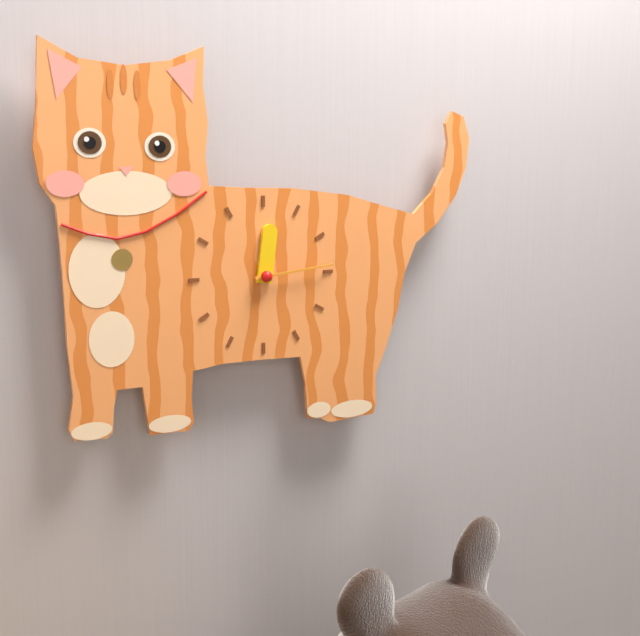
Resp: {"hour": 12, "minute": 14}
